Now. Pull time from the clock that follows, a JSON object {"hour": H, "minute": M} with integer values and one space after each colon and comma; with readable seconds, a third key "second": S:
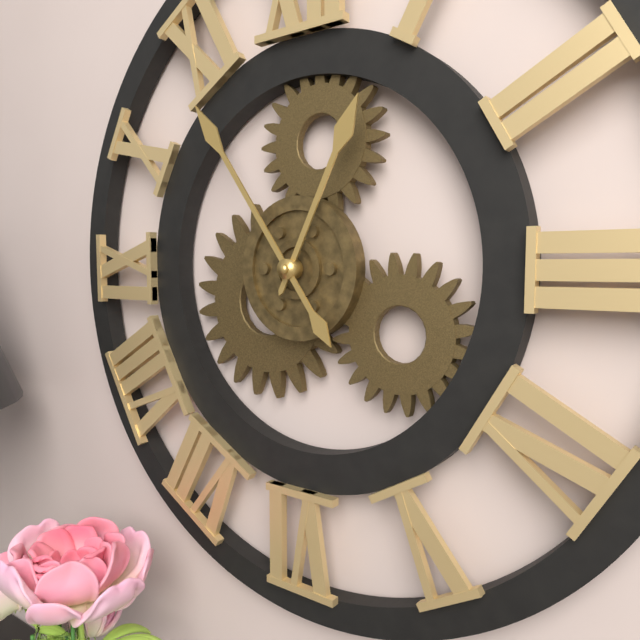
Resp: {"hour": 12, "minute": 54}
